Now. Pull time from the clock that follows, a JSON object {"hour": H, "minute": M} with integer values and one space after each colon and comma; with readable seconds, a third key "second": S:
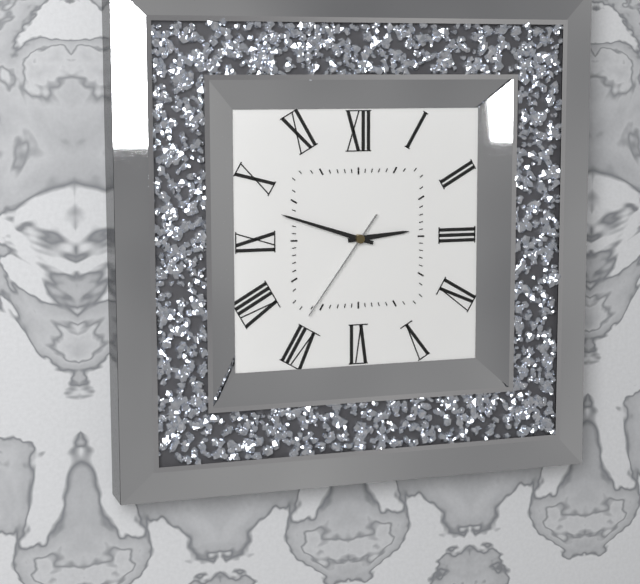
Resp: {"hour": 2, "minute": 48, "second": 36}
